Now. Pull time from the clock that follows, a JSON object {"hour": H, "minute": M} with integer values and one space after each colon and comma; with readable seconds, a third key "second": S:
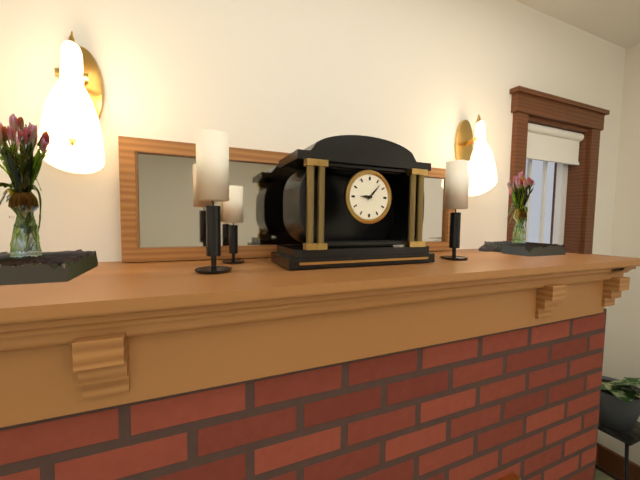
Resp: {"hour": 9, "minute": 7}
